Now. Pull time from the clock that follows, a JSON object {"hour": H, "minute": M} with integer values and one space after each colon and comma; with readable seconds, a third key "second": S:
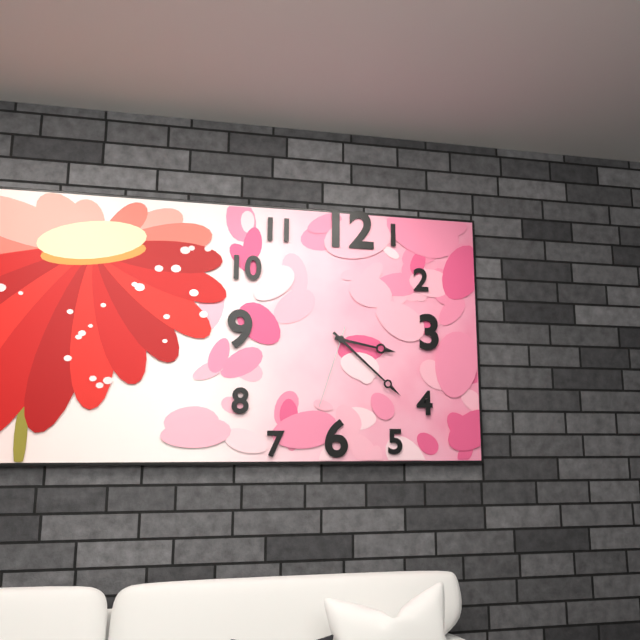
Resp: {"hour": 3, "minute": 22, "second": 33}
